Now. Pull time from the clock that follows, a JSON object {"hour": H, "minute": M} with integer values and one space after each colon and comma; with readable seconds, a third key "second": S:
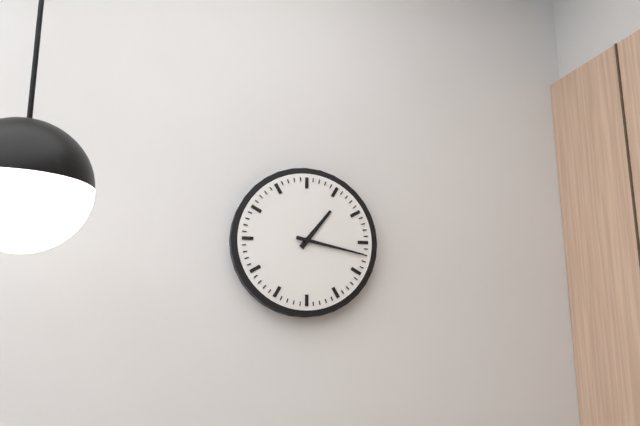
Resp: {"hour": 1, "minute": 17}
